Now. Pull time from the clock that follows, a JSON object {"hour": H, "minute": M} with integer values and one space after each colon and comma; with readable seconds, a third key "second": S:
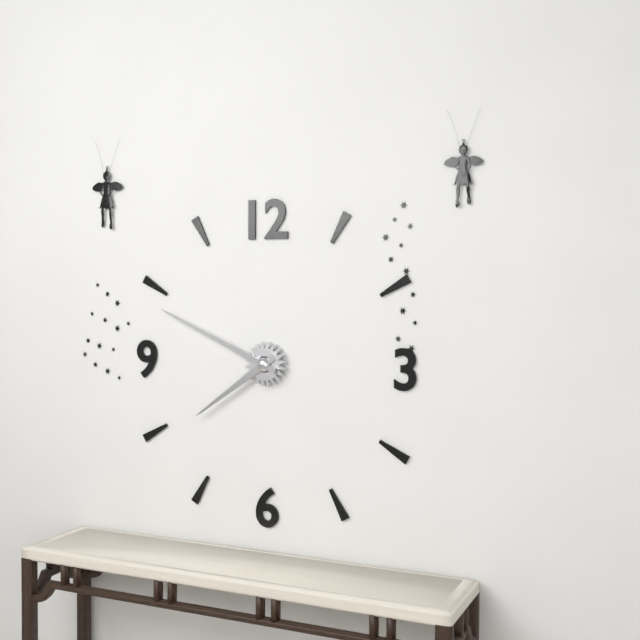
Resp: {"hour": 7, "minute": 49}
